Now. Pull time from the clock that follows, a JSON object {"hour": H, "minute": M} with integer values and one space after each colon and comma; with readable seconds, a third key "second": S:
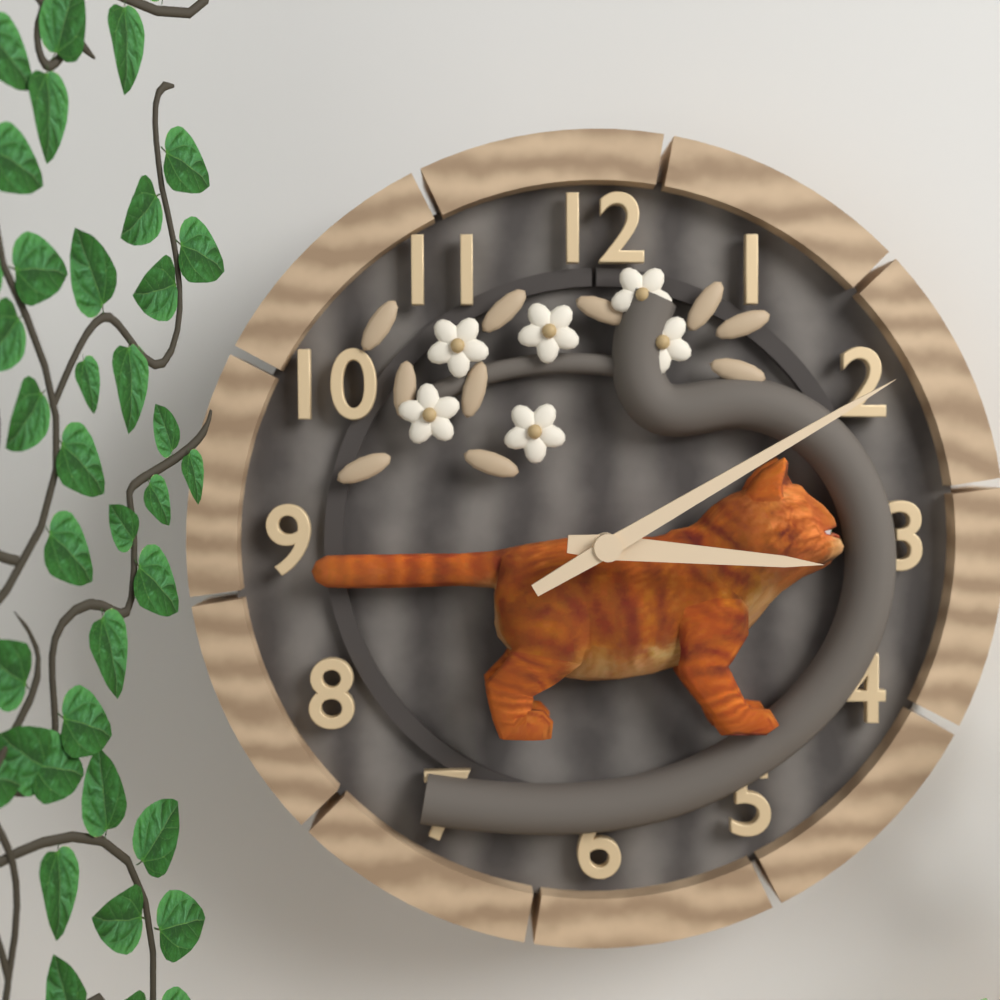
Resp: {"hour": 3, "minute": 10}
